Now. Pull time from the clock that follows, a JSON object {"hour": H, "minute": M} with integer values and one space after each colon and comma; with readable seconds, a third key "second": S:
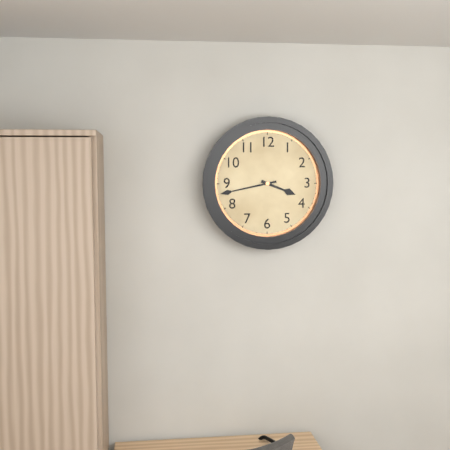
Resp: {"hour": 3, "minute": 43}
